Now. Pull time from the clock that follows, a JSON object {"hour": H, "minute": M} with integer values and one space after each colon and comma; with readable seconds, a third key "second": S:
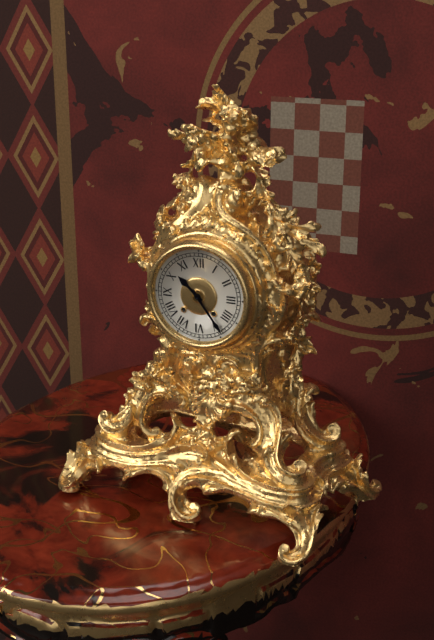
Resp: {"hour": 10, "minute": 24}
